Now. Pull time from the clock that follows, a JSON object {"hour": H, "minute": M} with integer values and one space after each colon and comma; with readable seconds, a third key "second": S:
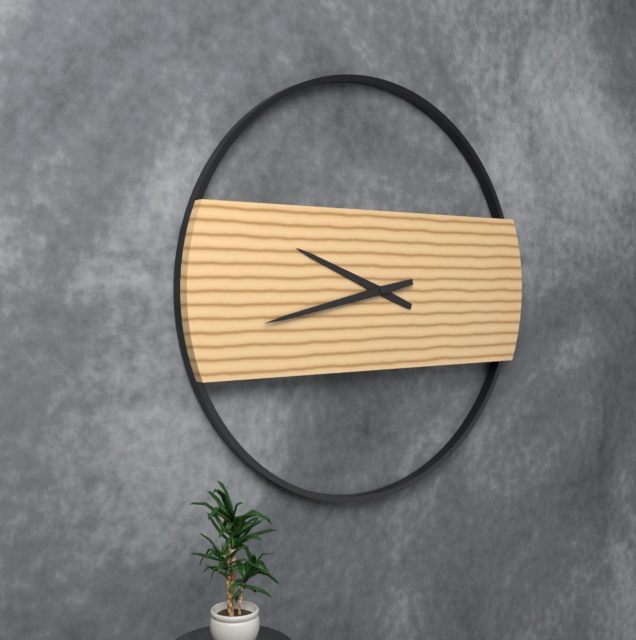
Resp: {"hour": 9, "minute": 43}
